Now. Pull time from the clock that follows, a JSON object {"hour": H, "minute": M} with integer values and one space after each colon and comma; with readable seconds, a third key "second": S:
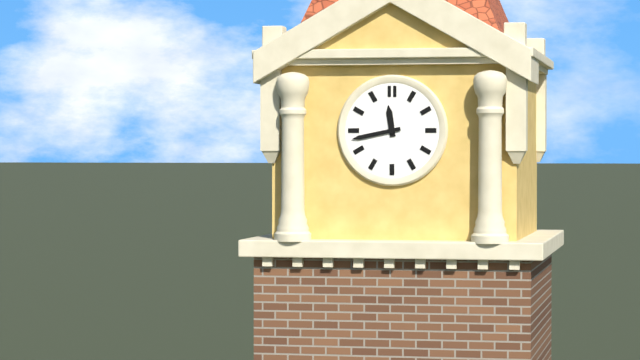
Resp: {"hour": 11, "minute": 43}
